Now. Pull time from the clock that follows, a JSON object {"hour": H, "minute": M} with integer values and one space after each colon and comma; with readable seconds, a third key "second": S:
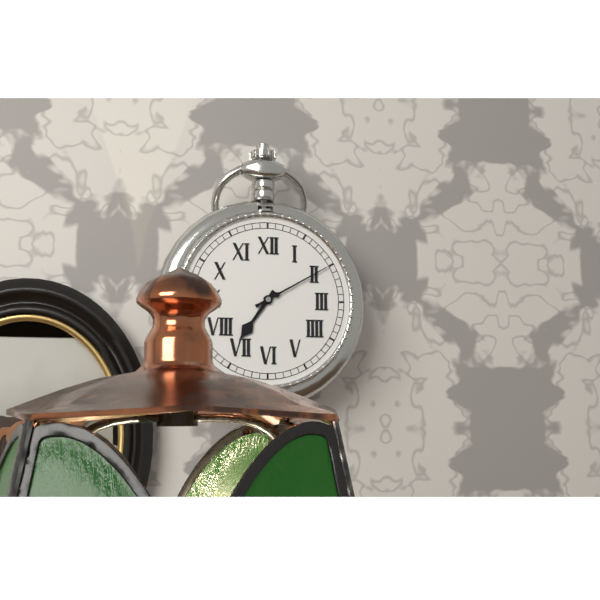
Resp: {"hour": 7, "minute": 10}
